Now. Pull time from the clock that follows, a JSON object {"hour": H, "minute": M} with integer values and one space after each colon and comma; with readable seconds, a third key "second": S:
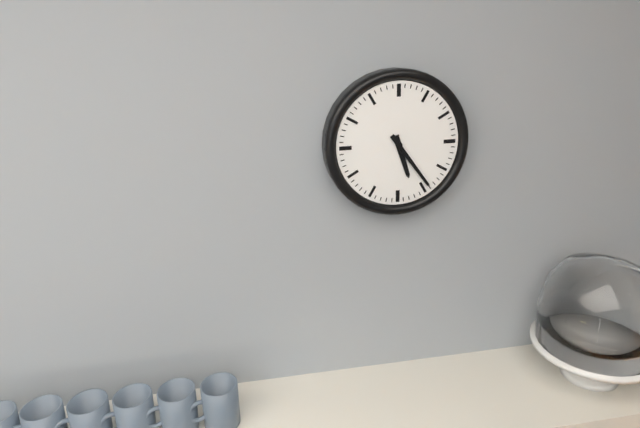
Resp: {"hour": 5, "minute": 24}
